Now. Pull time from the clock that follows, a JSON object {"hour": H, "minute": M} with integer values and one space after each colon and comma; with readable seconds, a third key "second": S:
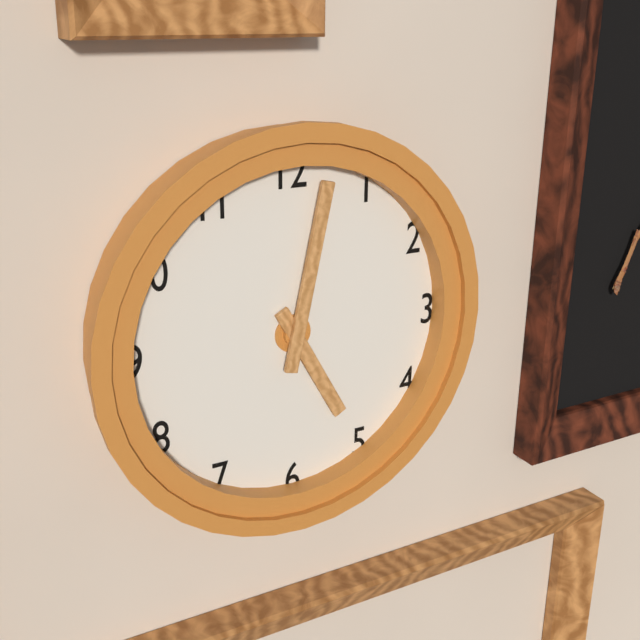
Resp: {"hour": 5, "minute": 2}
